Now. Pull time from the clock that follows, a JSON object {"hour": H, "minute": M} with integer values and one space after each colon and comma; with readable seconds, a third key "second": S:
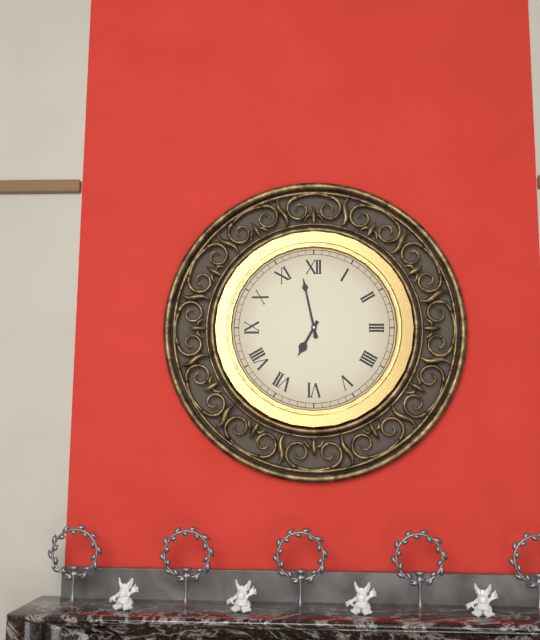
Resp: {"hour": 6, "minute": 58}
